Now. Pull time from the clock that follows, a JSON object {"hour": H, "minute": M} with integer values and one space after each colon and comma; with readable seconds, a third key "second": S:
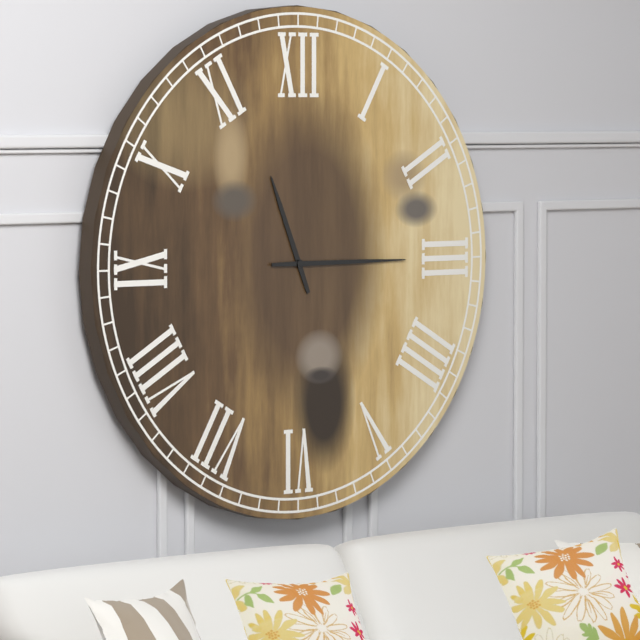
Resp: {"hour": 11, "minute": 15}
